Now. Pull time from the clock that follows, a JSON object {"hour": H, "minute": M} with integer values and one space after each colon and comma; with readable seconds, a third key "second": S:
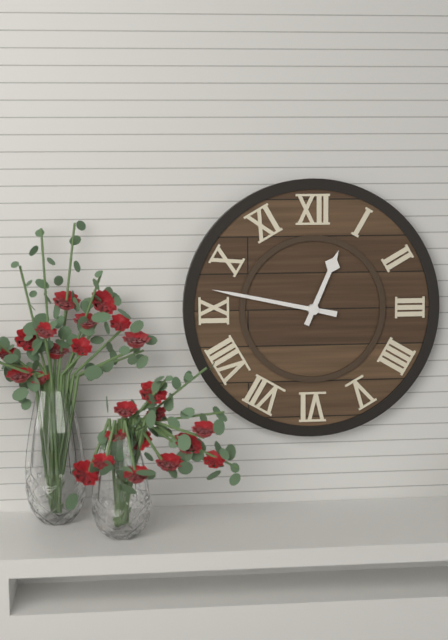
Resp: {"hour": 12, "minute": 47}
